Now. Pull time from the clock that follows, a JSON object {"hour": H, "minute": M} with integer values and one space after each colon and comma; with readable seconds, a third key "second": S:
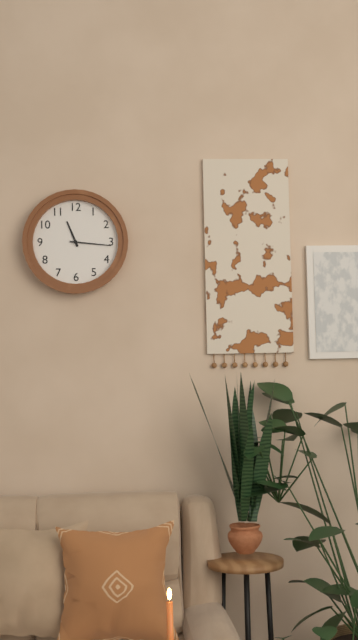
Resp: {"hour": 11, "minute": 16}
